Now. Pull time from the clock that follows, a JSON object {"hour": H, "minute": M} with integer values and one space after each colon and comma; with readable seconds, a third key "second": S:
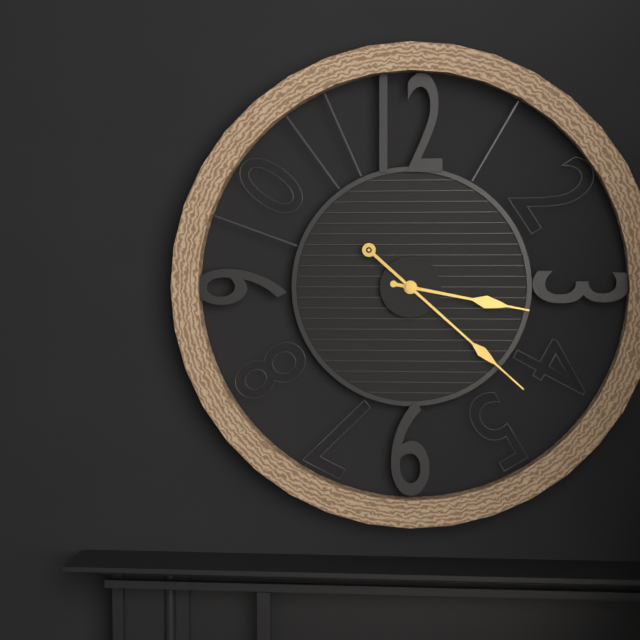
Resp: {"hour": 3, "minute": 22}
